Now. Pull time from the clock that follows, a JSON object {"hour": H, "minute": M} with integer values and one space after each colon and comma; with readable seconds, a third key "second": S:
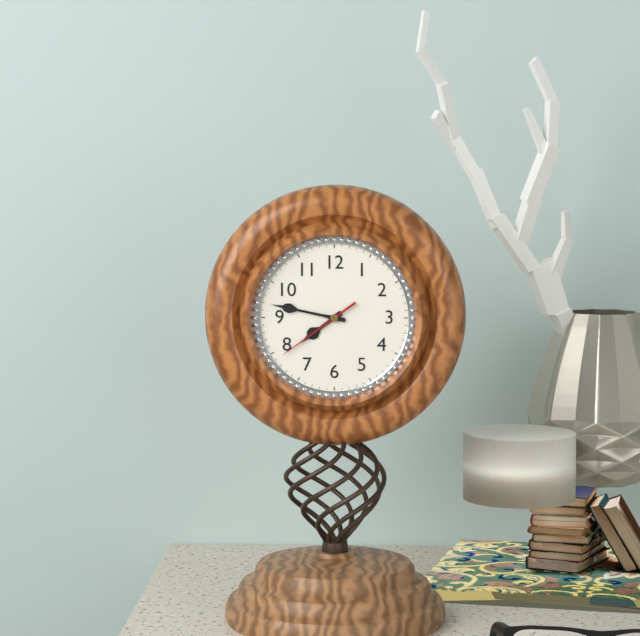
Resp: {"hour": 7, "minute": 47, "second": 39}
